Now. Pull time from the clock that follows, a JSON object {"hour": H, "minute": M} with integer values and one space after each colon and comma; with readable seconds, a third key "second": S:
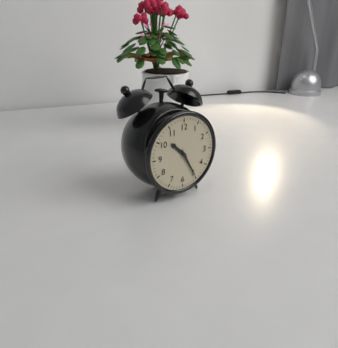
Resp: {"hour": 10, "minute": 25}
